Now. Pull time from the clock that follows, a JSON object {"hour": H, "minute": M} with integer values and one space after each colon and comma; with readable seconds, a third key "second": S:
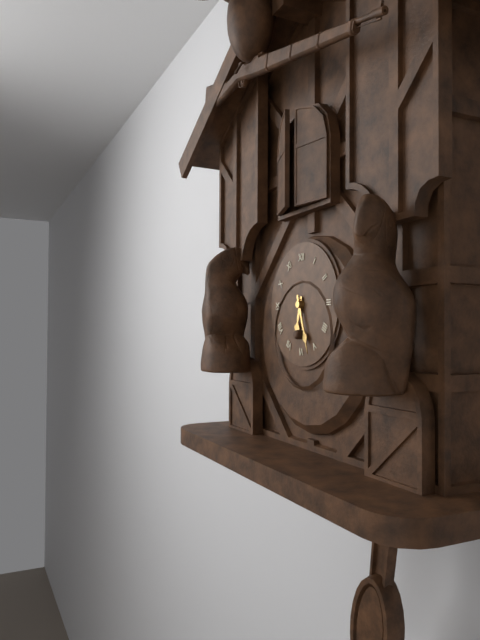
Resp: {"hour": 6, "minute": 27}
